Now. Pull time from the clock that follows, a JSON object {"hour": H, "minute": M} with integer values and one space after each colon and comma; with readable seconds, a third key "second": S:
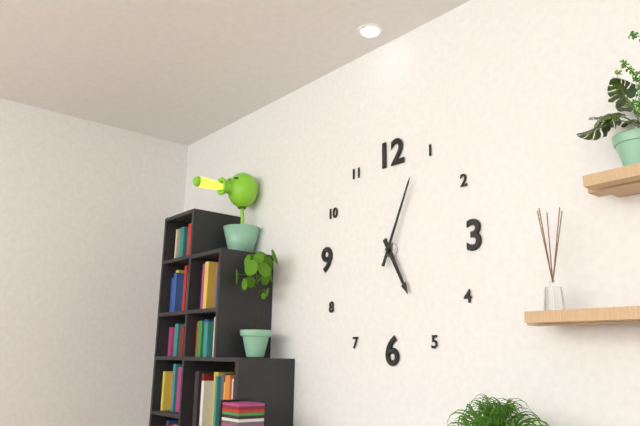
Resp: {"hour": 5, "minute": 4}
